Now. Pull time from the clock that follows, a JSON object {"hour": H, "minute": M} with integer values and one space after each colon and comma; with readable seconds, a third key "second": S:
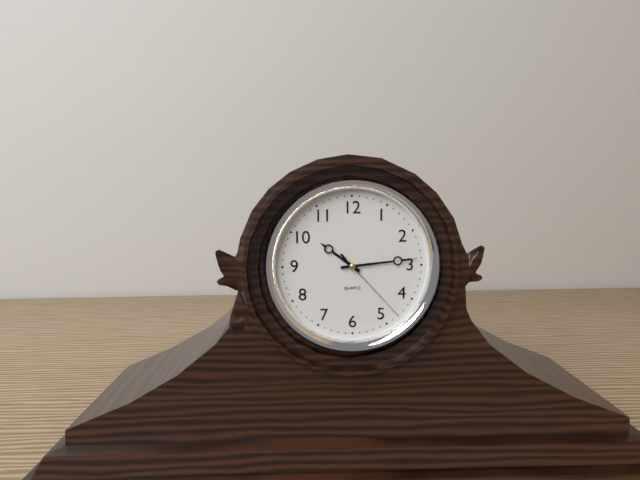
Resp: {"hour": 10, "minute": 14, "second": 23}
